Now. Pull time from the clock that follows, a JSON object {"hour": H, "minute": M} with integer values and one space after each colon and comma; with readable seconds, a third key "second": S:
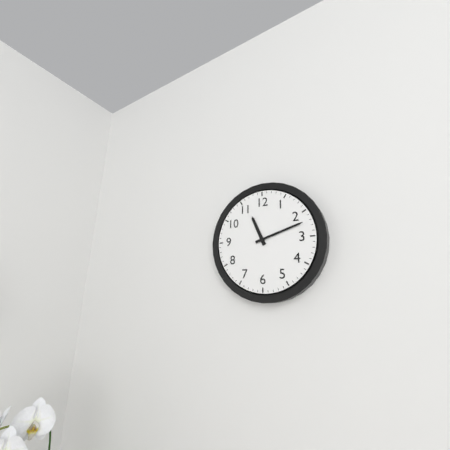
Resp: {"hour": 11, "minute": 12}
